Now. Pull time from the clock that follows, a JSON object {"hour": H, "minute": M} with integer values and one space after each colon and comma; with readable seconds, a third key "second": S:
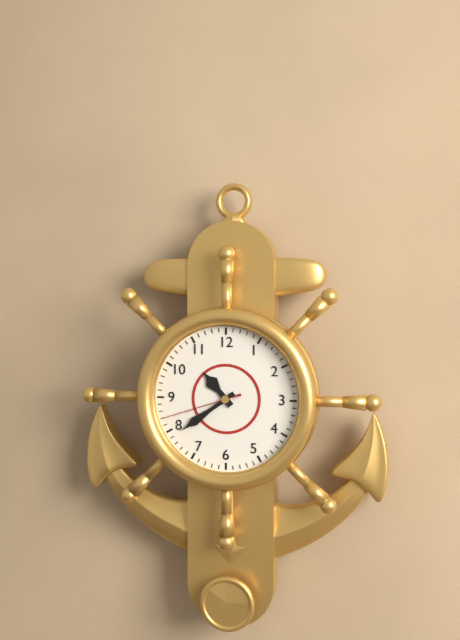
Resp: {"hour": 10, "minute": 39, "second": 42}
